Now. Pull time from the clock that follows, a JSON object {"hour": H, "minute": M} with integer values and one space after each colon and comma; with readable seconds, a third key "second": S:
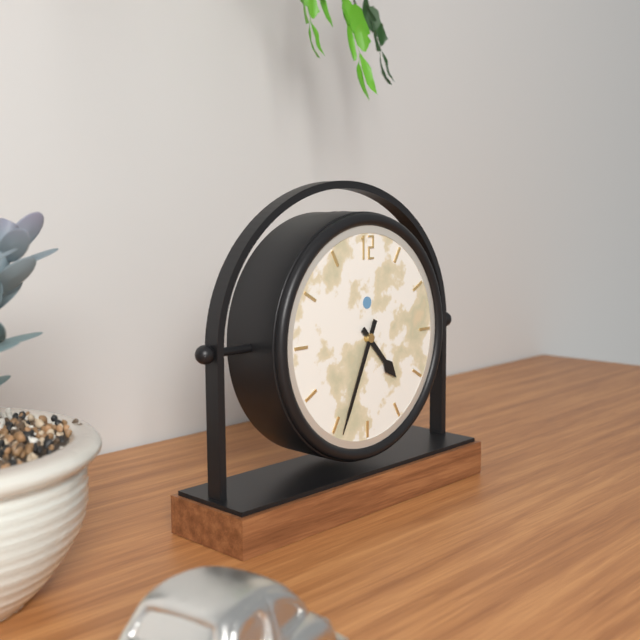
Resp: {"hour": 4, "minute": 34}
